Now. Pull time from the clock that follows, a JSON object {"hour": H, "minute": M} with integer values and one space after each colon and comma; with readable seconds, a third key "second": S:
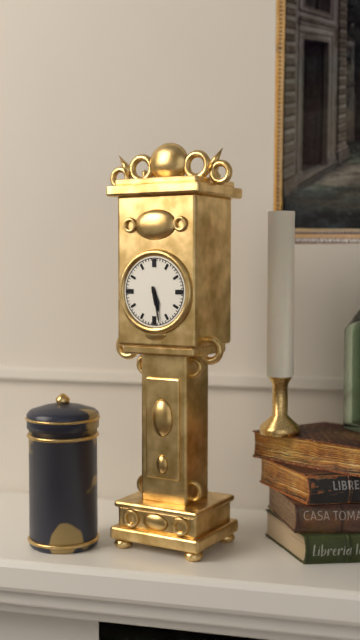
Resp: {"hour": 5, "minute": 28}
